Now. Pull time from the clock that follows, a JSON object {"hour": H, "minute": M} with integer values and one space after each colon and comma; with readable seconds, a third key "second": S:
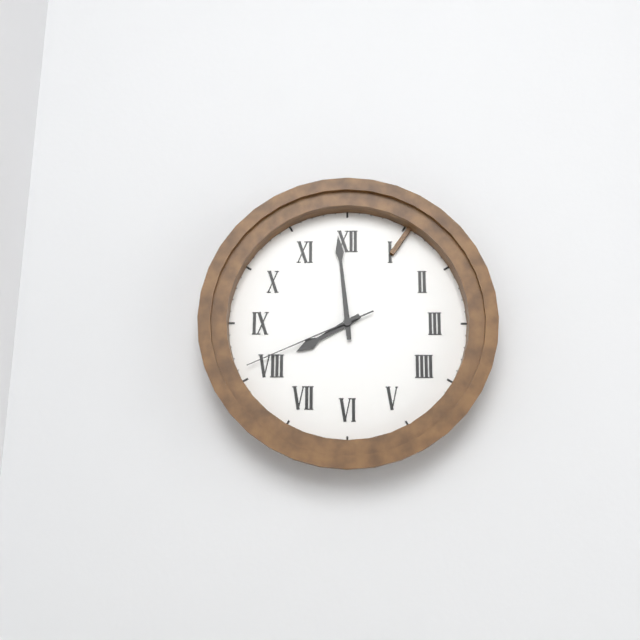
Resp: {"hour": 7, "minute": 59, "second": 41}
